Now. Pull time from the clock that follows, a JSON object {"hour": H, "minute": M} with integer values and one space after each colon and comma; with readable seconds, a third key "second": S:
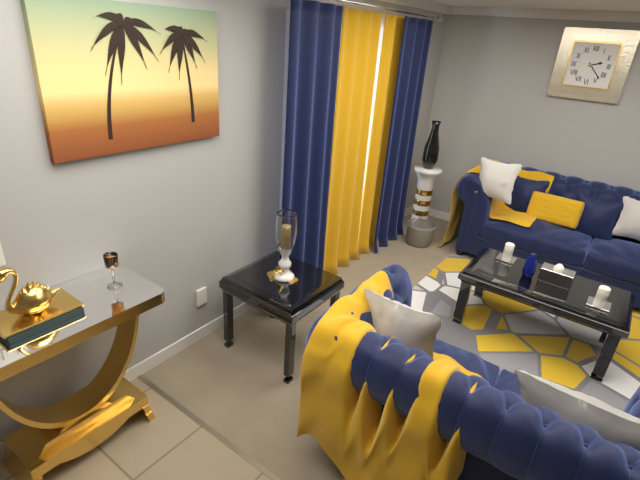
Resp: {"hour": 2, "minute": 23}
